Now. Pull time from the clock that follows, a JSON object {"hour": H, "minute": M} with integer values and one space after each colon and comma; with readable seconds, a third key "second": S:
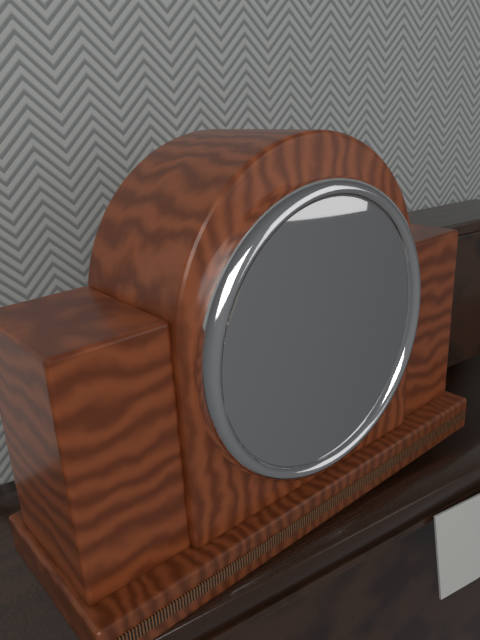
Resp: {"hour": 5, "minute": 15}
